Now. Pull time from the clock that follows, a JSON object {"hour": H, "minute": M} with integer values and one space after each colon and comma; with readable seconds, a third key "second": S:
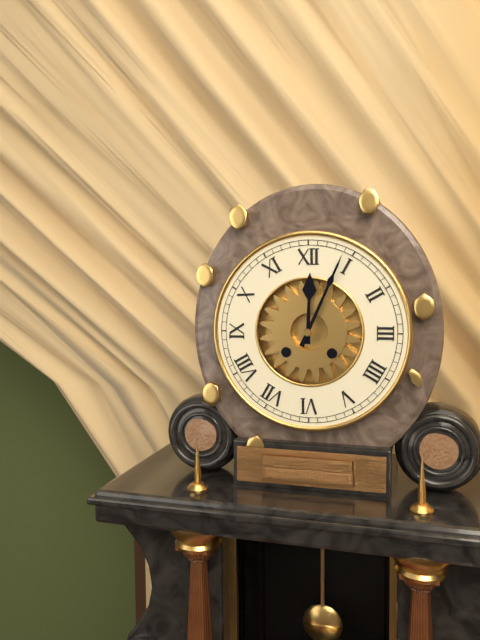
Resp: {"hour": 12, "minute": 4}
